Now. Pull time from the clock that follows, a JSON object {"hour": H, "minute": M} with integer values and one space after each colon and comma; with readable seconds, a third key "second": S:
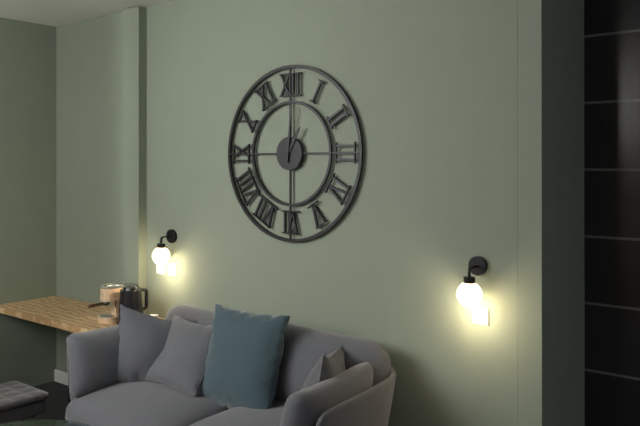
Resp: {"hour": 1, "minute": 1}
